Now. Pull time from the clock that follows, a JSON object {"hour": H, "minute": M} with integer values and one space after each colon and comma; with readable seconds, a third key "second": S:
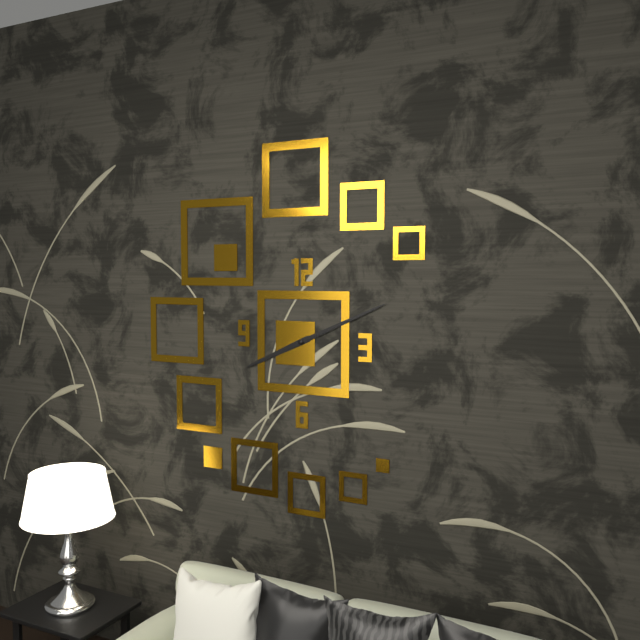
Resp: {"hour": 8, "minute": 11, "second": 11}
